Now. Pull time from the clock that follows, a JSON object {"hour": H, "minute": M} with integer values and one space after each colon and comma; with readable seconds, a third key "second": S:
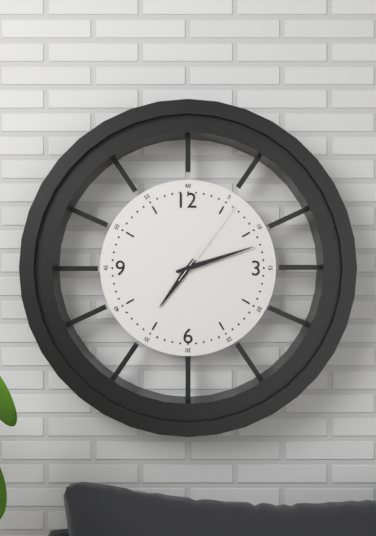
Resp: {"hour": 7, "minute": 12, "second": 6}
